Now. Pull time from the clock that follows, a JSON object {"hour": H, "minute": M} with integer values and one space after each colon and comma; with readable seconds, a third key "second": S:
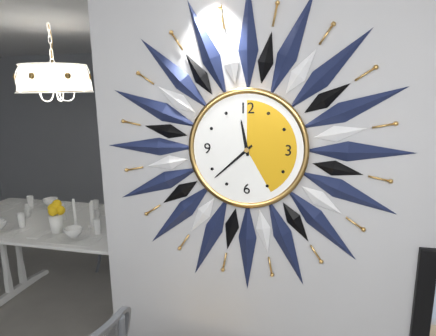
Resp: {"hour": 11, "minute": 38}
